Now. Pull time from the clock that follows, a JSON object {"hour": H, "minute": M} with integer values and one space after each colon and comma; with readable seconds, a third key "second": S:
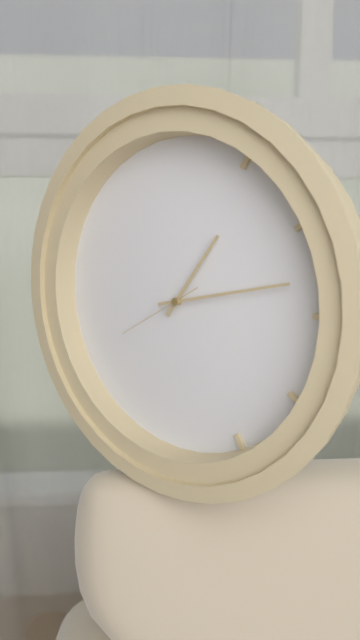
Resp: {"hour": 1, "minute": 13, "second": 40}
